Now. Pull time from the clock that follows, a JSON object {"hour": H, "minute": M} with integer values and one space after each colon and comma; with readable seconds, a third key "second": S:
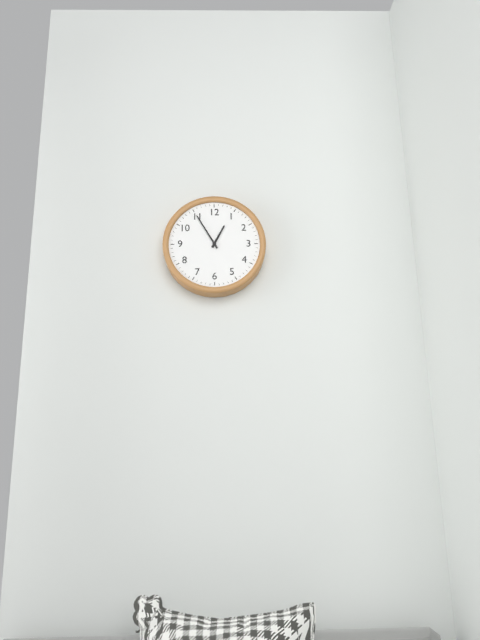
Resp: {"hour": 12, "minute": 55}
